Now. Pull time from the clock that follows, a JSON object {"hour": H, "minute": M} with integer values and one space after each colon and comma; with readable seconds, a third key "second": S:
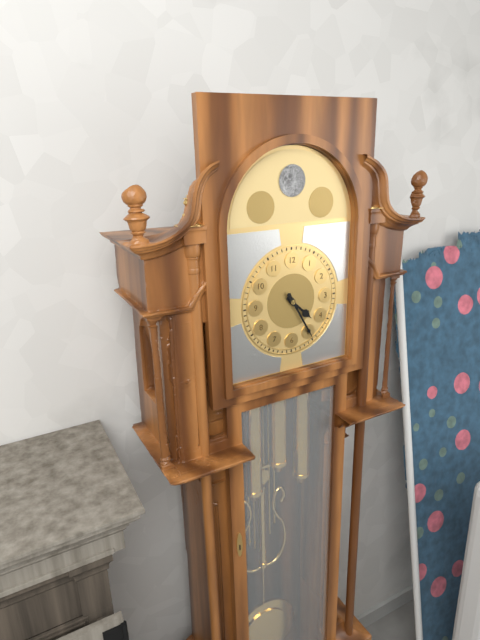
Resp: {"hour": 4, "minute": 25}
